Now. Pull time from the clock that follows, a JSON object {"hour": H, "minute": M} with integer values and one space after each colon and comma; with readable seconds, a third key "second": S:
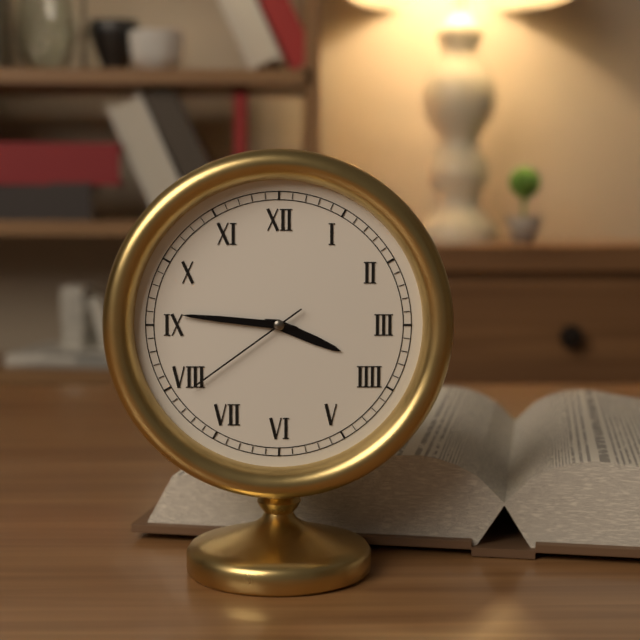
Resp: {"hour": 3, "minute": 46, "second": 39}
